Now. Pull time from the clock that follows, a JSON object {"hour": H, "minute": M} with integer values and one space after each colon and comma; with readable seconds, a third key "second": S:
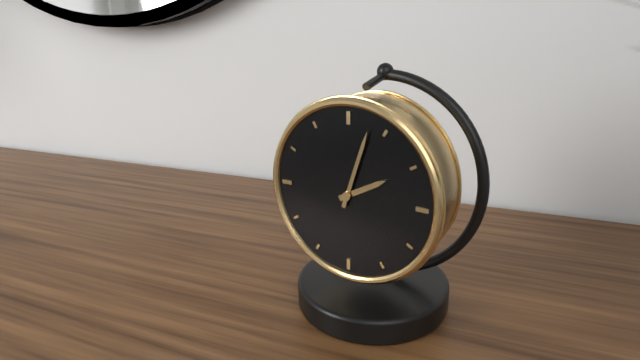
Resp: {"hour": 2, "minute": 3}
